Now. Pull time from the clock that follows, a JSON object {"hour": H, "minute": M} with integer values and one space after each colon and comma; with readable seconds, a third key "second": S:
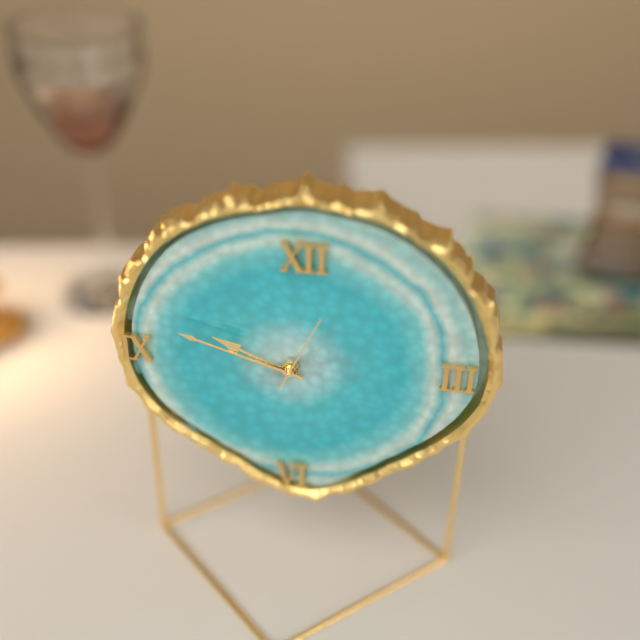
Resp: {"hour": 9, "minute": 48, "second": 4}
